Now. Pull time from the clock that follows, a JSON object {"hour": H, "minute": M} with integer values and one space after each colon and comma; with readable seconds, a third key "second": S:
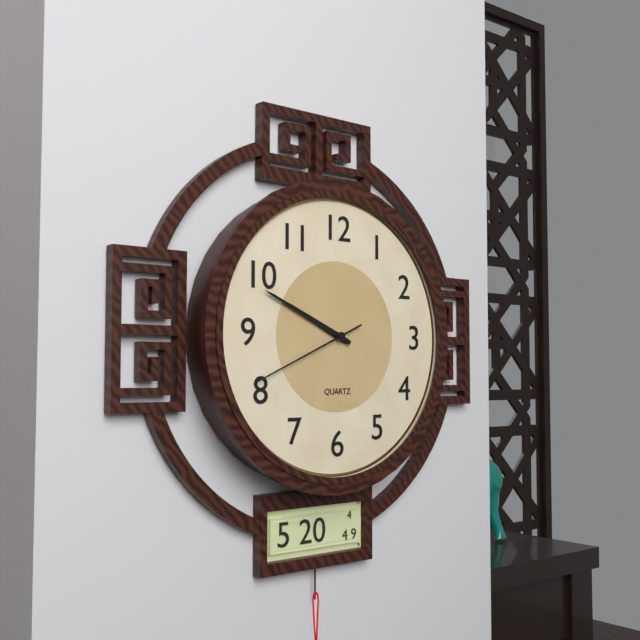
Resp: {"hour": 9, "minute": 49, "second": 41}
